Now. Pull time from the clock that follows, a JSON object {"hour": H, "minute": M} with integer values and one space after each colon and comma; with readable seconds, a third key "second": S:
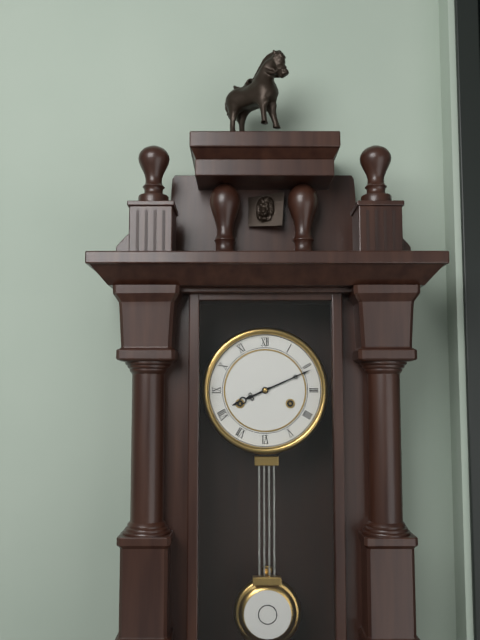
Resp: {"hour": 8, "minute": 11}
